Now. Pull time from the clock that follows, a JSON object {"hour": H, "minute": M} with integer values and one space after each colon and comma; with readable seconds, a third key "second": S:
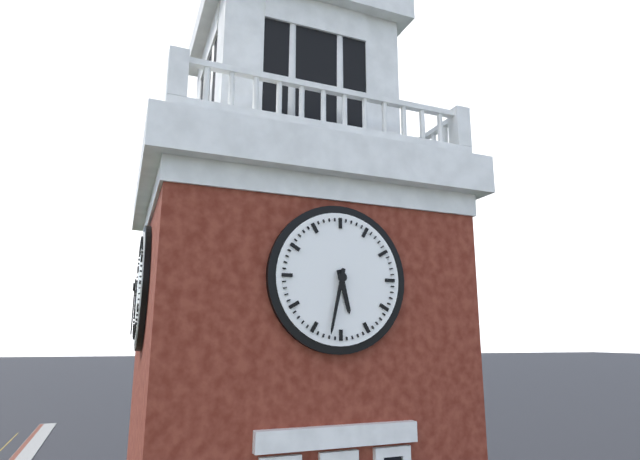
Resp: {"hour": 5, "minute": 32}
